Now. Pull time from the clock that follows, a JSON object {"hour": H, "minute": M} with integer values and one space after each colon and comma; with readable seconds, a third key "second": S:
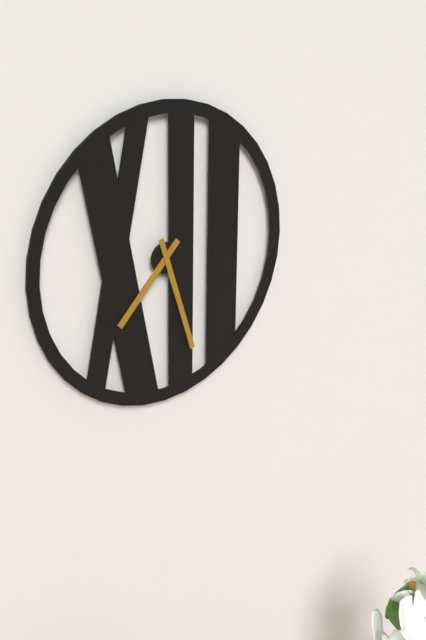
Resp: {"hour": 7, "minute": 27}
